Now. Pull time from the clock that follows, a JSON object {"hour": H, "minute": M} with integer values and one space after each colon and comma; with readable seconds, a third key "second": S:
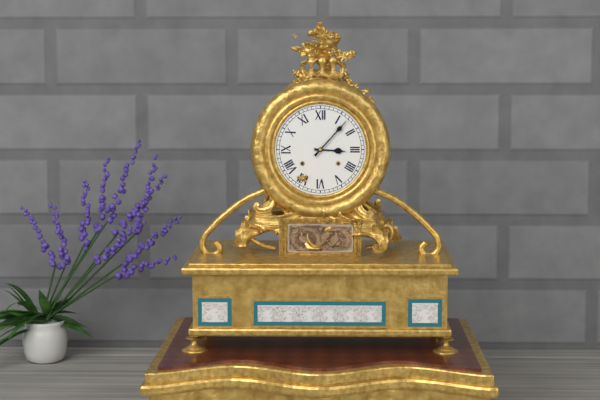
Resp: {"hour": 3, "minute": 7}
